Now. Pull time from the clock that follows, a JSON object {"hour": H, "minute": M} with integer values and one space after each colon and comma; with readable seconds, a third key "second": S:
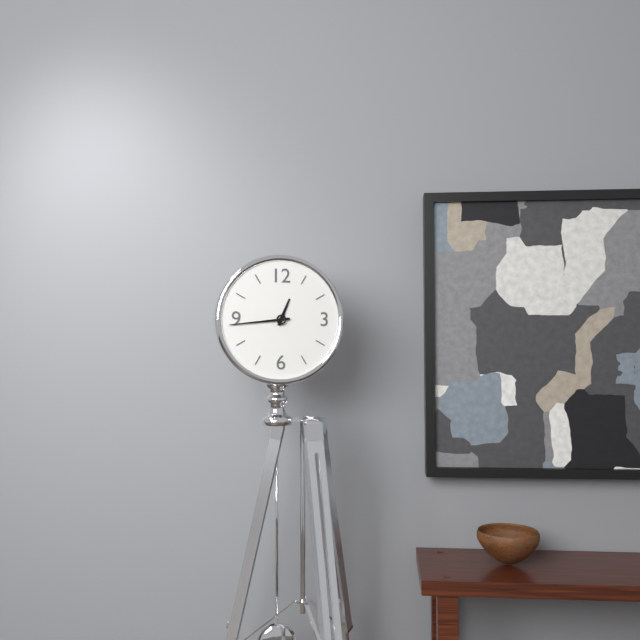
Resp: {"hour": 12, "minute": 44}
